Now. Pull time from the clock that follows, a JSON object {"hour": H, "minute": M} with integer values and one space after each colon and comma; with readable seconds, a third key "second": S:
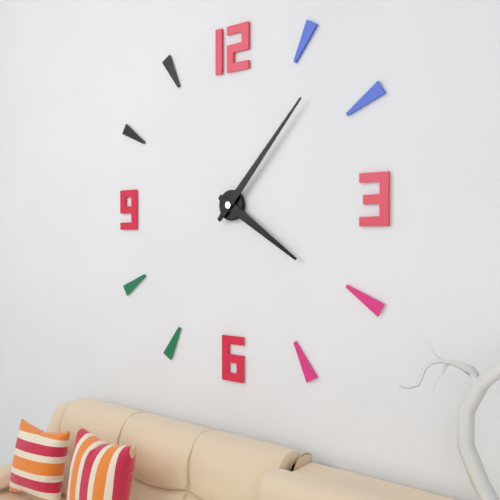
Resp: {"hour": 4, "minute": 7}
